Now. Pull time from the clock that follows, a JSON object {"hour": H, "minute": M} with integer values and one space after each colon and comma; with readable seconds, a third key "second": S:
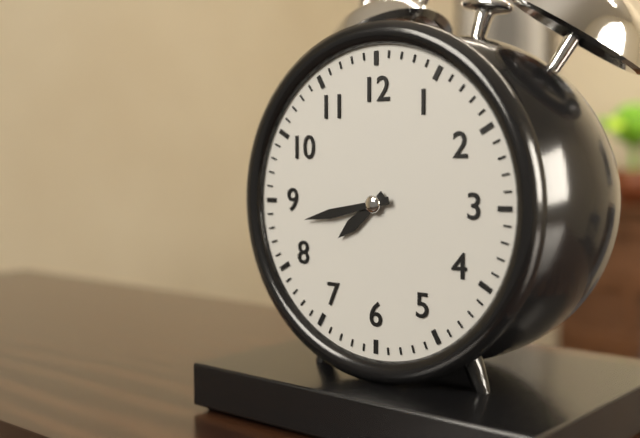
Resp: {"hour": 7, "minute": 43}
